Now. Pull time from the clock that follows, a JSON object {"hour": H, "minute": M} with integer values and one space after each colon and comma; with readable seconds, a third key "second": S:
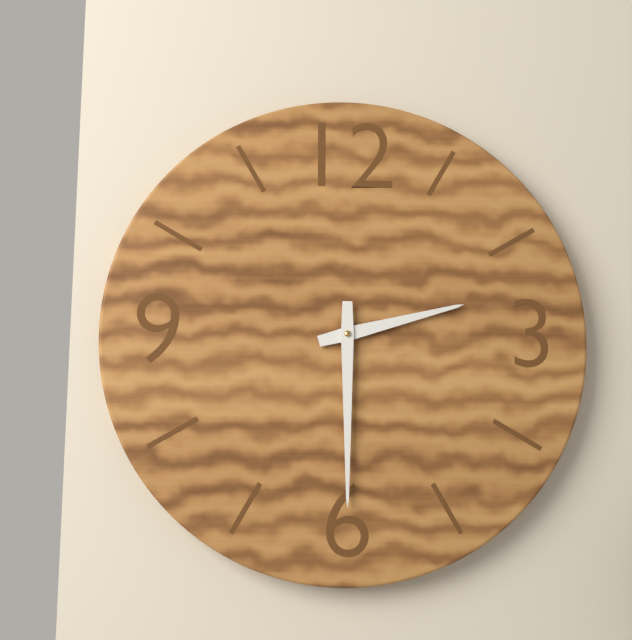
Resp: {"hour": 2, "minute": 30}
